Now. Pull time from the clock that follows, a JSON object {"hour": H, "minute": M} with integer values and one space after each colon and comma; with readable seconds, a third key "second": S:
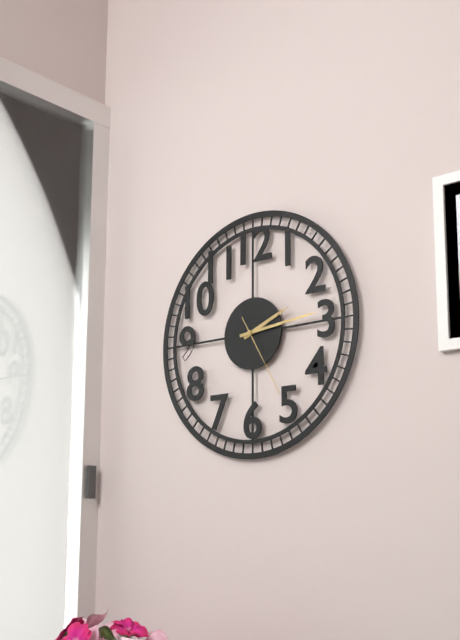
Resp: {"hour": 2, "minute": 14, "second": 25}
